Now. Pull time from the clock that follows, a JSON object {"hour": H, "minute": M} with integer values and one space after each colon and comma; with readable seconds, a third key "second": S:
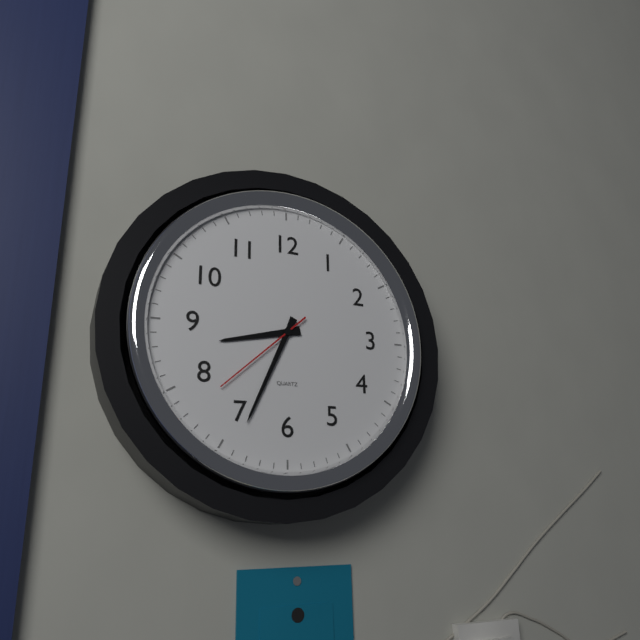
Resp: {"hour": 8, "minute": 34, "second": 38}
